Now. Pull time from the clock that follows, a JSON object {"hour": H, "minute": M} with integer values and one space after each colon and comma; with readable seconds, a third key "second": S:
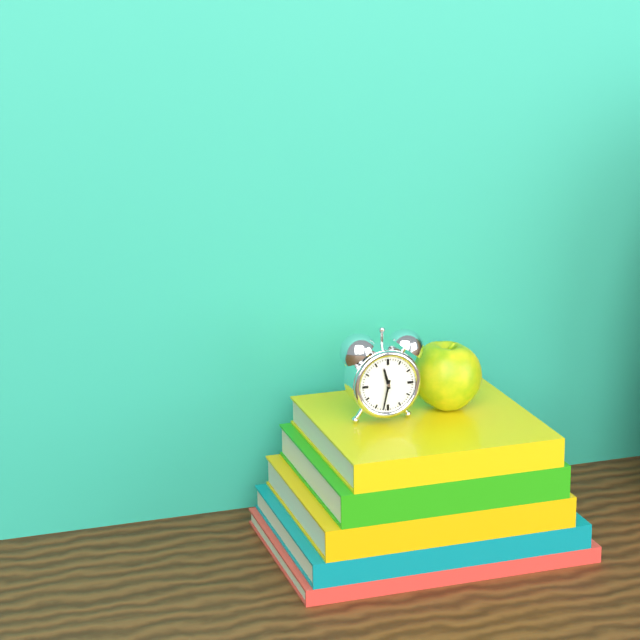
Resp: {"hour": 11, "minute": 32}
